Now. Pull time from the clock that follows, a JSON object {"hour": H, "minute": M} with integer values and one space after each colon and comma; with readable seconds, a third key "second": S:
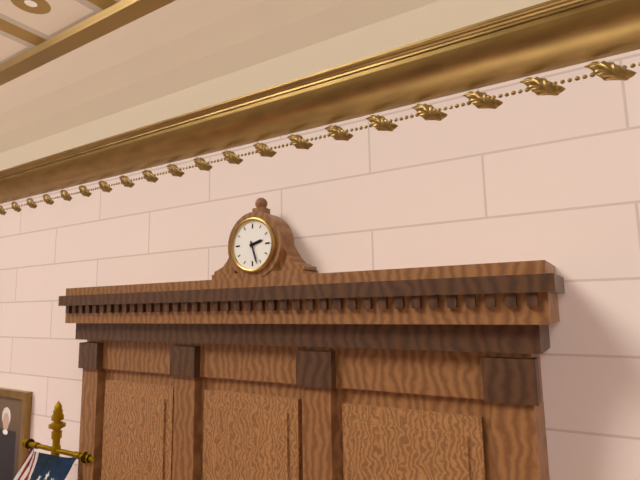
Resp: {"hour": 2, "minute": 27}
